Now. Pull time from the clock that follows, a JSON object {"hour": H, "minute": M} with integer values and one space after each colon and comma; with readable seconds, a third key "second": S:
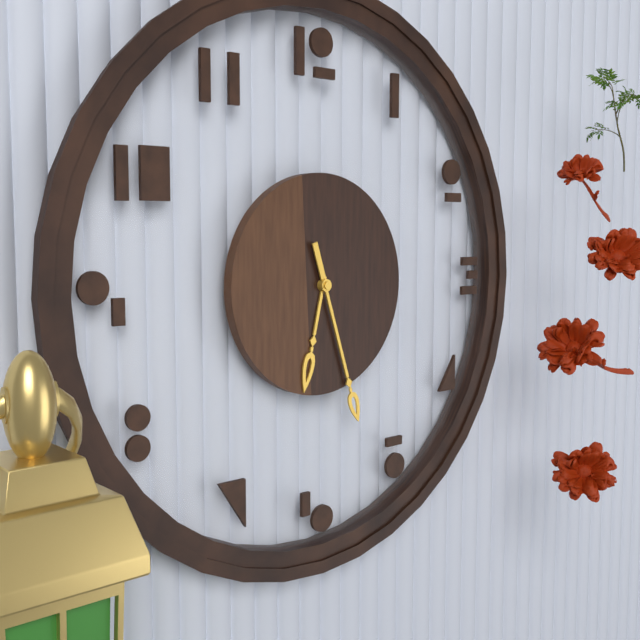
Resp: {"hour": 6, "minute": 27}
